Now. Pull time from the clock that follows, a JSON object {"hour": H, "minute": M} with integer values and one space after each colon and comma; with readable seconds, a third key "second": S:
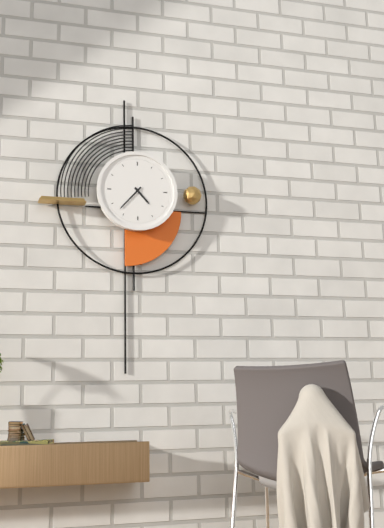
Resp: {"hour": 4, "minute": 37}
